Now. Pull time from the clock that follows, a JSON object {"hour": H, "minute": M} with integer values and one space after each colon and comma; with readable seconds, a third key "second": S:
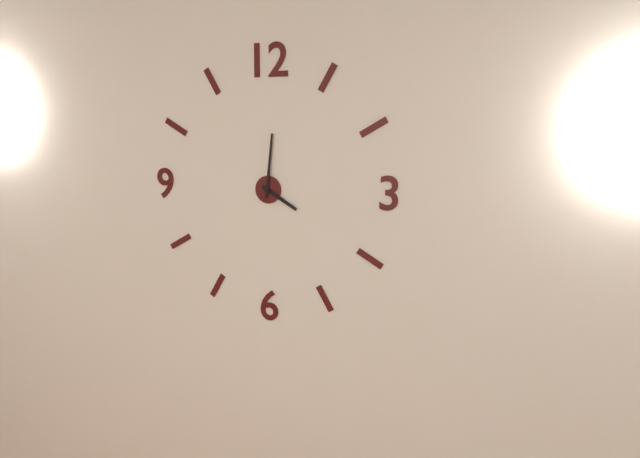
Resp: {"hour": 4, "minute": 1}
